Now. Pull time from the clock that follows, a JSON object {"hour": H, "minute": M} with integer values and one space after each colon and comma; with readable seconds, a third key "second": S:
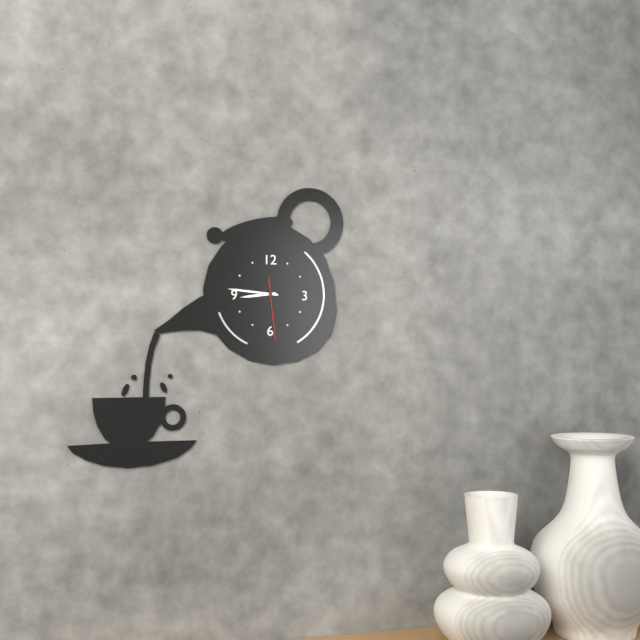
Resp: {"hour": 8, "minute": 46, "second": 29}
